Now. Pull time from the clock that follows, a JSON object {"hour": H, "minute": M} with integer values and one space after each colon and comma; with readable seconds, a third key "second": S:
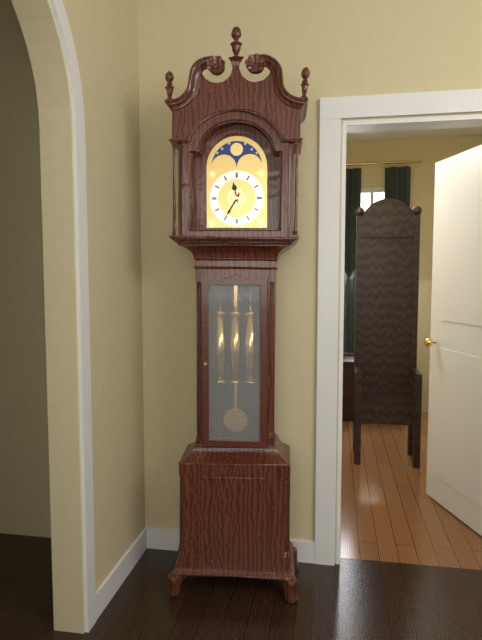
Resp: {"hour": 11, "minute": 35}
